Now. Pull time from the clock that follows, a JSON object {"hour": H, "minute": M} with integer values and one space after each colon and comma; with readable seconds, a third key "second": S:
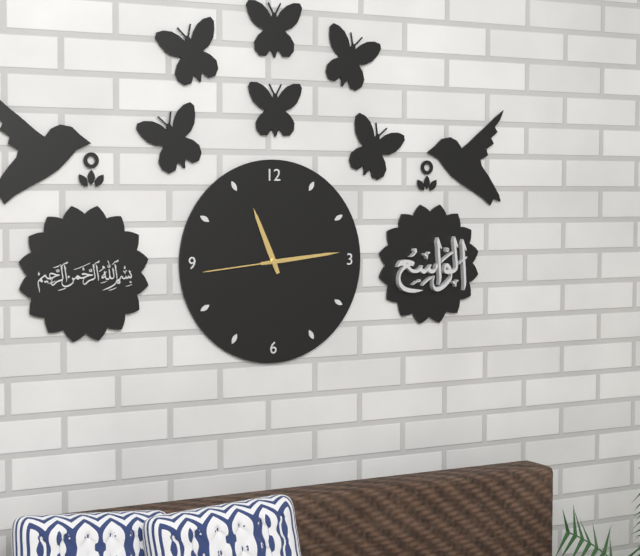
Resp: {"hour": 11, "minute": 14, "second": 44}
